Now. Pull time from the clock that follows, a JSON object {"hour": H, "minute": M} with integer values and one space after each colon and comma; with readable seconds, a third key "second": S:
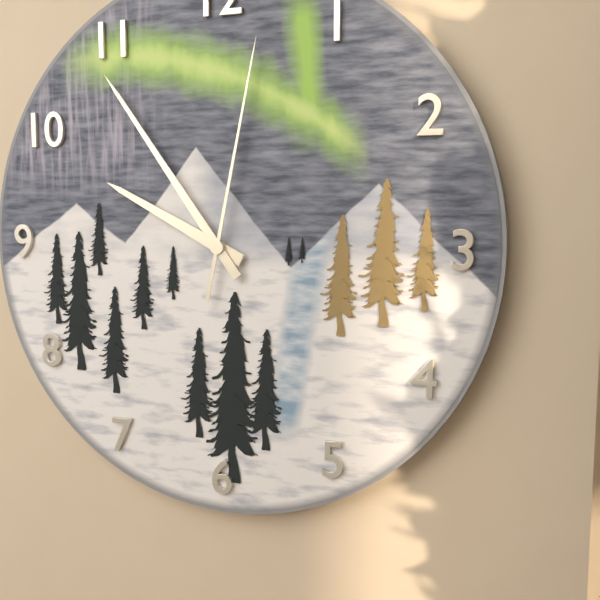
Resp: {"hour": 9, "minute": 54, "second": 2}
